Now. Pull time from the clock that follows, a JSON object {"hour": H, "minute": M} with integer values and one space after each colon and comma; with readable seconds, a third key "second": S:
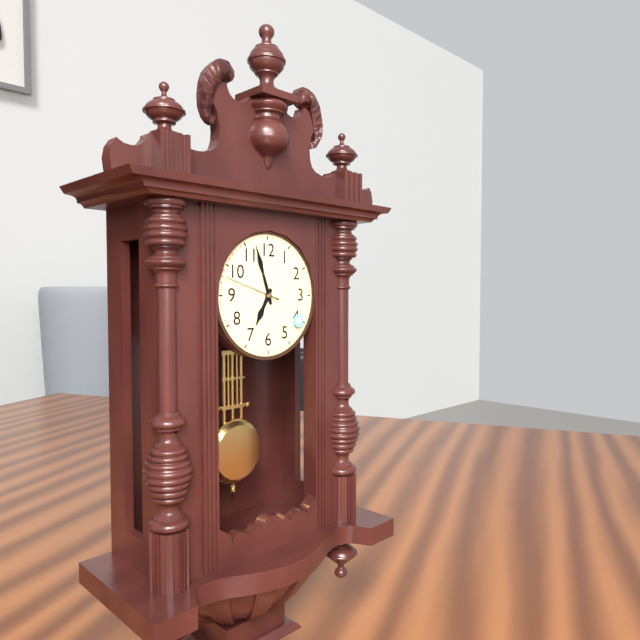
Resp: {"hour": 6, "minute": 57, "second": 48}
